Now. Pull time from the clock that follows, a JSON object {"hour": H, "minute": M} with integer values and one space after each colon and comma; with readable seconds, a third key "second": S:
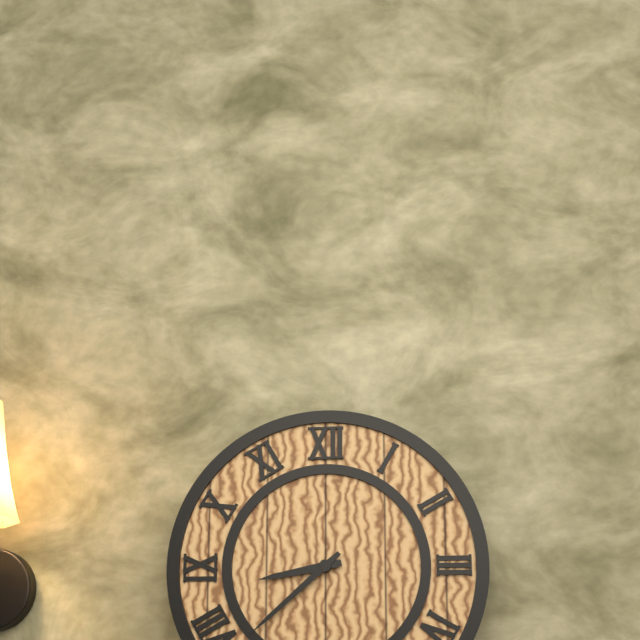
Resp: {"hour": 8, "minute": 38}
